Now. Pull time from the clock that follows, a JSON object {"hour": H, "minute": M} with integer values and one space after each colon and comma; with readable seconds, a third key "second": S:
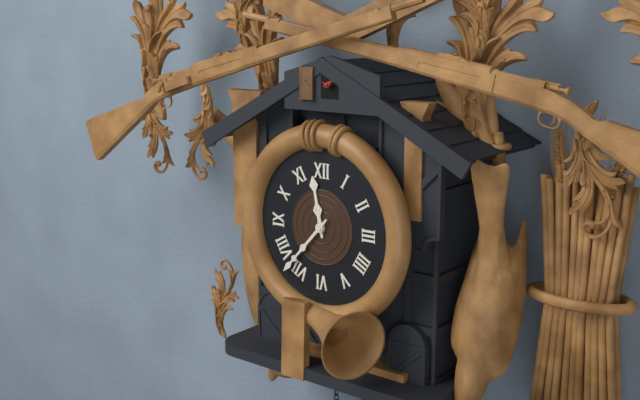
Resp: {"hour": 11, "minute": 37}
